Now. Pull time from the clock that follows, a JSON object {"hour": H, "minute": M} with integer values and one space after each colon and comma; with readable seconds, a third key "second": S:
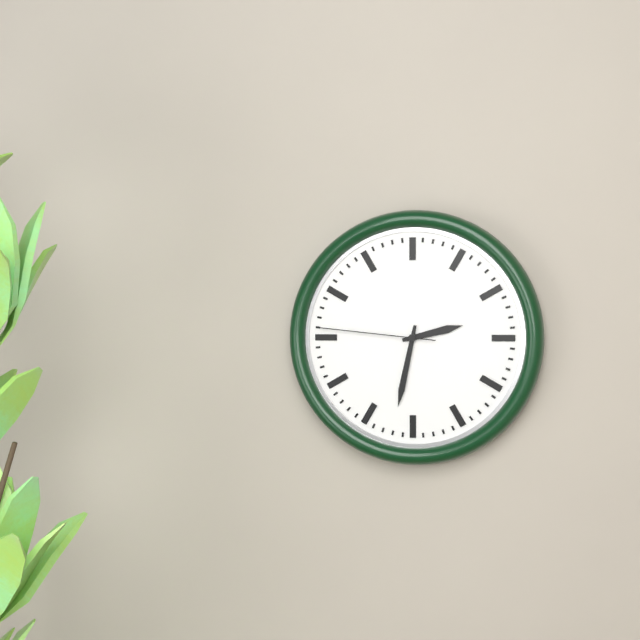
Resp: {"hour": 2, "minute": 32, "second": 46}
